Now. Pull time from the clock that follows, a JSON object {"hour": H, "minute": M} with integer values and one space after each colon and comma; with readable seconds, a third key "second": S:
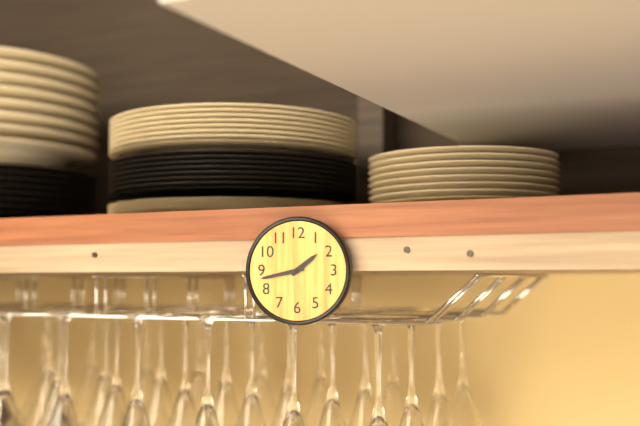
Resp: {"hour": 1, "minute": 43}
